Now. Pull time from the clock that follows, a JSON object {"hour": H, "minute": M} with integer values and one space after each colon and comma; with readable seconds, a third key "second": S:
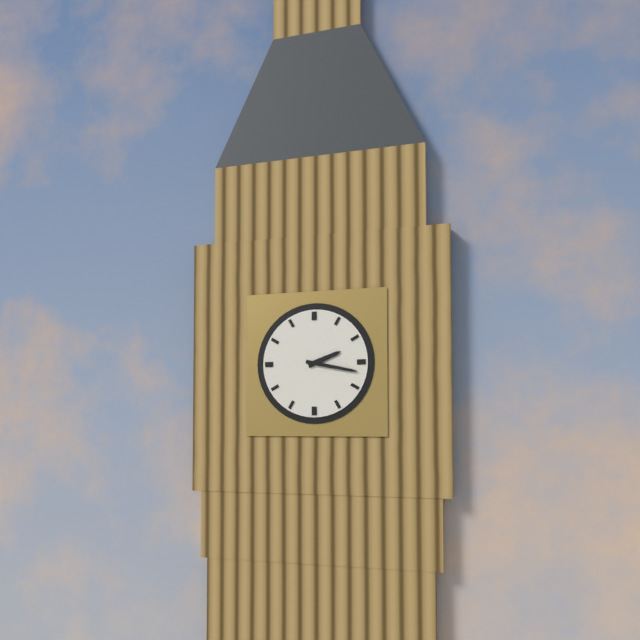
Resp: {"hour": 2, "minute": 17}
